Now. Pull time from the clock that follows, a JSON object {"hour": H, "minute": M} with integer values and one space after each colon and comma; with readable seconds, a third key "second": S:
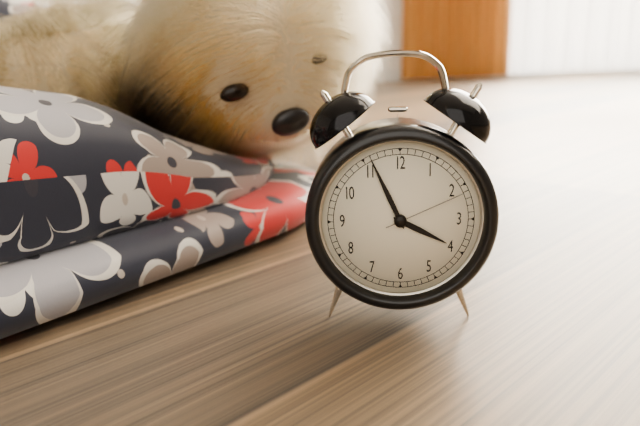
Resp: {"hour": 3, "minute": 56, "second": 11}
